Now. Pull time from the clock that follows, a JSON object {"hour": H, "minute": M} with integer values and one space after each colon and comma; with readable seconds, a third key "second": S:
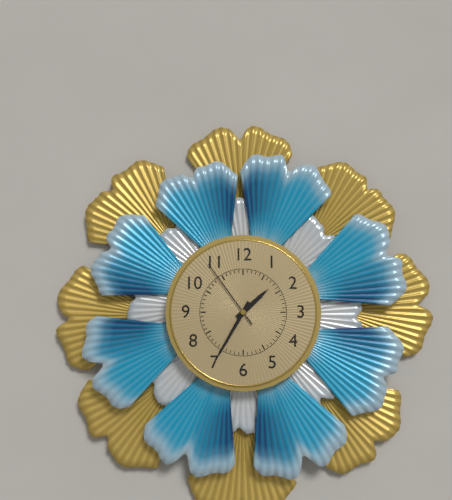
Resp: {"hour": 1, "minute": 35, "second": 54}
